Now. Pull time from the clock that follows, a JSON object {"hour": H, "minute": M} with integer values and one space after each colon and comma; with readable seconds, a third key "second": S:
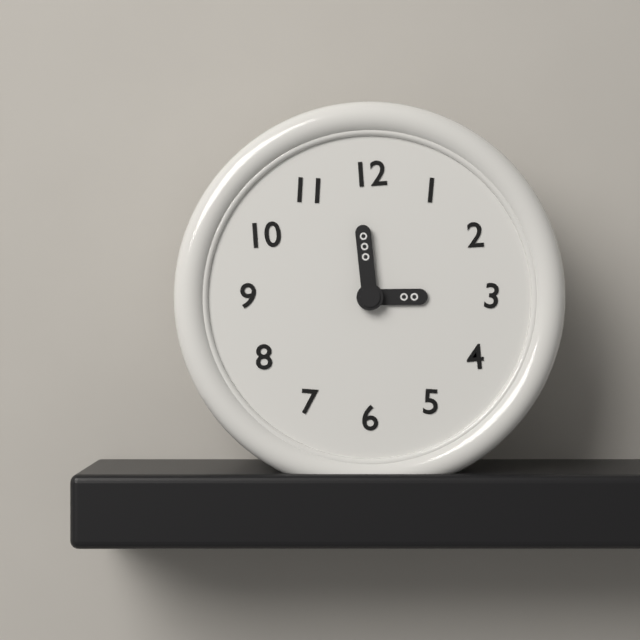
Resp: {"hour": 2, "minute": 59}
